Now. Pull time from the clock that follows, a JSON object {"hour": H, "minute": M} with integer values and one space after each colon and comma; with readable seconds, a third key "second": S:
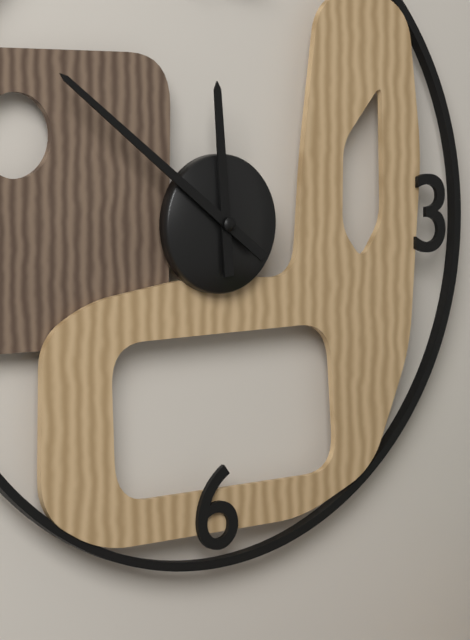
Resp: {"hour": 11, "minute": 51}
